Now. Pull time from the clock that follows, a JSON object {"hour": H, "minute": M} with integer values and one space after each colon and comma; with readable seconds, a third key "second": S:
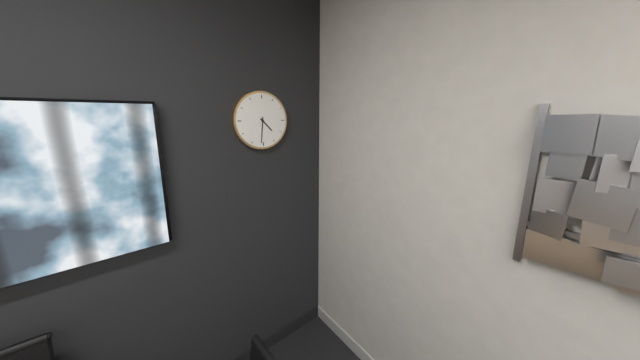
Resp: {"hour": 4, "minute": 31}
